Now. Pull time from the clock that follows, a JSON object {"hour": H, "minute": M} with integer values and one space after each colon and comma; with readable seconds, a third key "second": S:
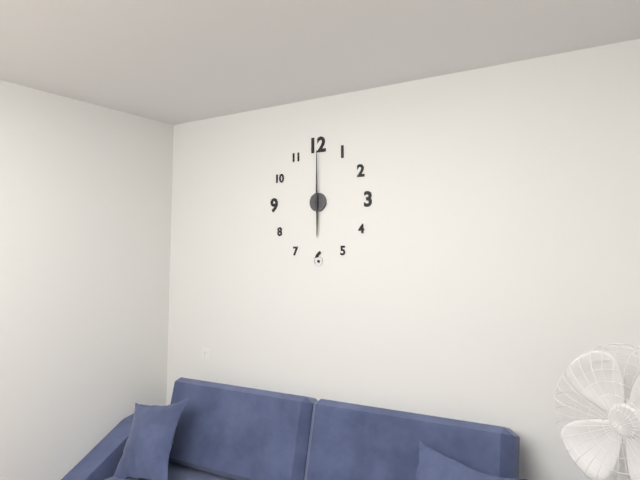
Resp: {"hour": 6, "minute": 0}
